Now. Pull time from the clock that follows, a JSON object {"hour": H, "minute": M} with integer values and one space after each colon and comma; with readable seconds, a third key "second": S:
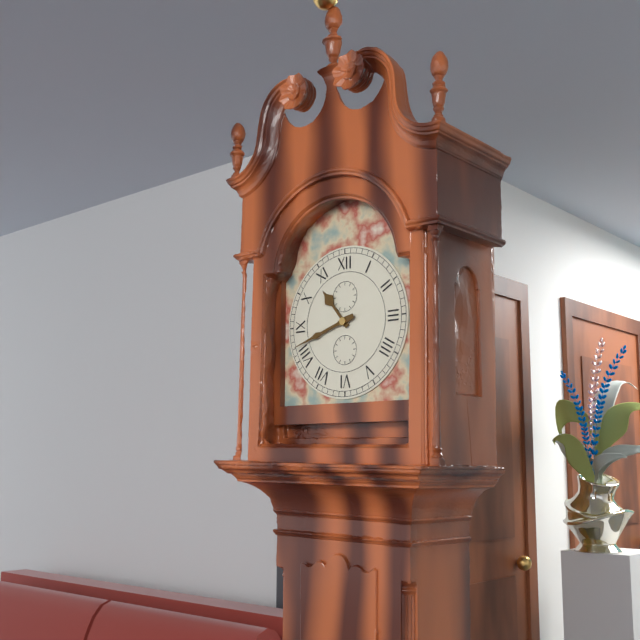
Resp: {"hour": 10, "minute": 42}
